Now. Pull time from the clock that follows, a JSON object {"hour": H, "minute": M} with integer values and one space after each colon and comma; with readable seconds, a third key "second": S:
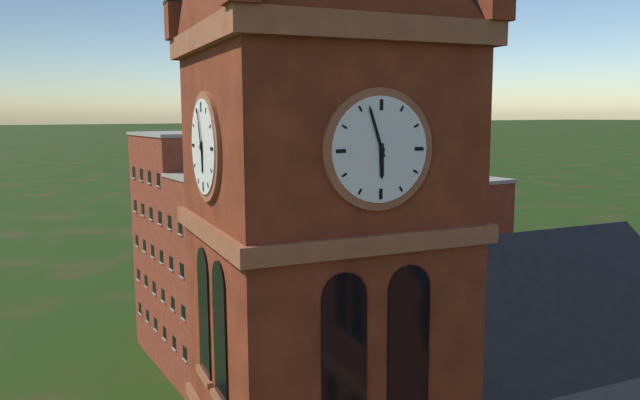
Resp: {"hour": 5, "minute": 57}
